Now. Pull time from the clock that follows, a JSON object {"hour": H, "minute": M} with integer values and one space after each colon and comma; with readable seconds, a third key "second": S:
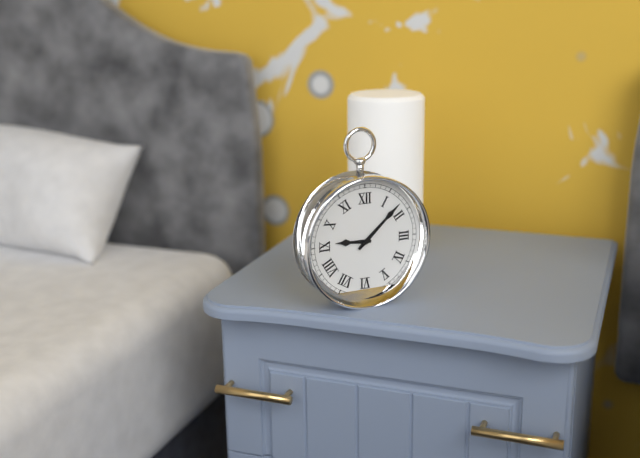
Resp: {"hour": 9, "minute": 8}
